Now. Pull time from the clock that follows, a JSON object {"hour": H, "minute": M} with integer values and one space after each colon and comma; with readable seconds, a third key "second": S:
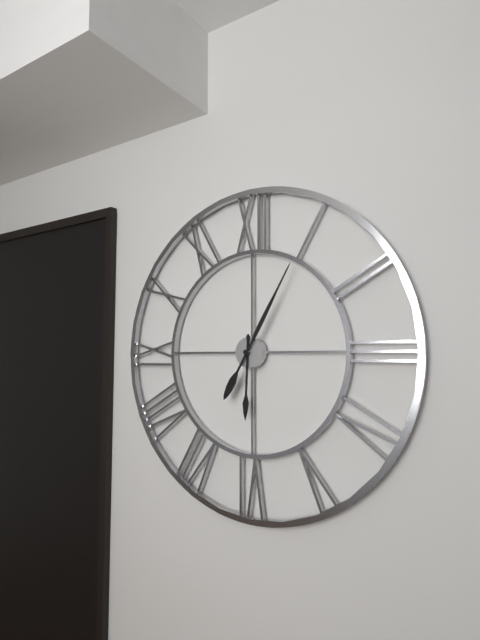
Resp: {"hour": 6, "minute": 5}
